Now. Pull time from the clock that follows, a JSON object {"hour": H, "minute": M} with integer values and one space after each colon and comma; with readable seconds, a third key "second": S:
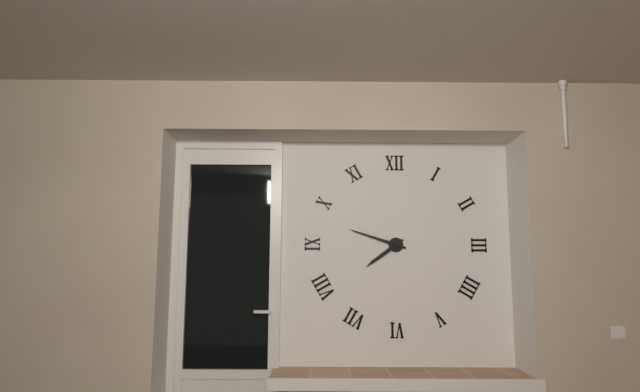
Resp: {"hour": 7, "minute": 48}
